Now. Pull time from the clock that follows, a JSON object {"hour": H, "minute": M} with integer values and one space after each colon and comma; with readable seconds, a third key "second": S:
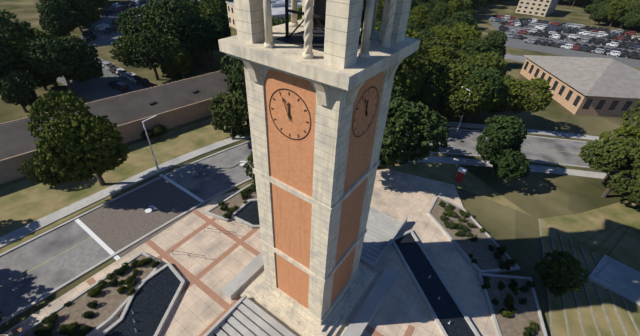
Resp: {"hour": 11, "minute": 56}
